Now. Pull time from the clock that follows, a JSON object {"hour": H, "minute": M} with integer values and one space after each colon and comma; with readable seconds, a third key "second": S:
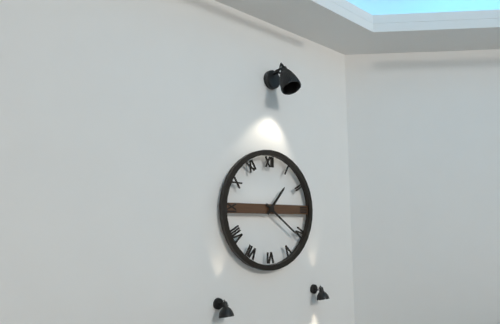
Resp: {"hour": 1, "minute": 21}
